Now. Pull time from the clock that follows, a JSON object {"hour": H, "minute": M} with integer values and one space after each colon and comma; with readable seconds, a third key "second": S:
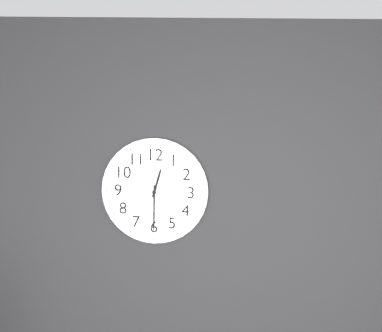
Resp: {"hour": 12, "minute": 30}
